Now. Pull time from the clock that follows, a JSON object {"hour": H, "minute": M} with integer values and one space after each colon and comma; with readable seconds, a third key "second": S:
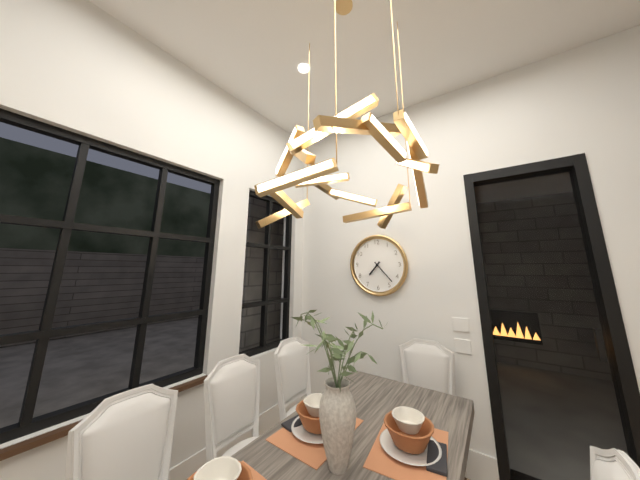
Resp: {"hour": 7, "minute": 23}
